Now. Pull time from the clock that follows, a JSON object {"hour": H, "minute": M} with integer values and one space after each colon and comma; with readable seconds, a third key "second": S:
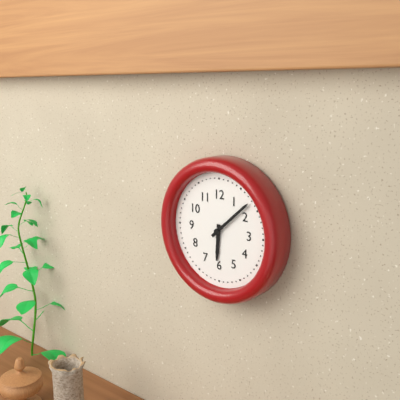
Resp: {"hour": 6, "minute": 8}
